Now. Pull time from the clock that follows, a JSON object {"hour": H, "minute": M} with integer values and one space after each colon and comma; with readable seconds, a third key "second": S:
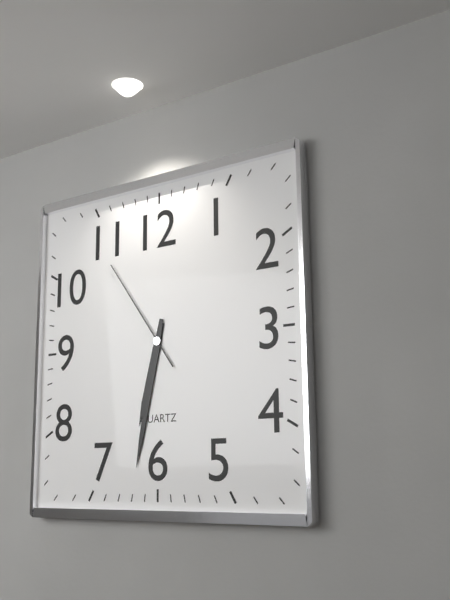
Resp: {"hour": 6, "minute": 32, "second": 54}
